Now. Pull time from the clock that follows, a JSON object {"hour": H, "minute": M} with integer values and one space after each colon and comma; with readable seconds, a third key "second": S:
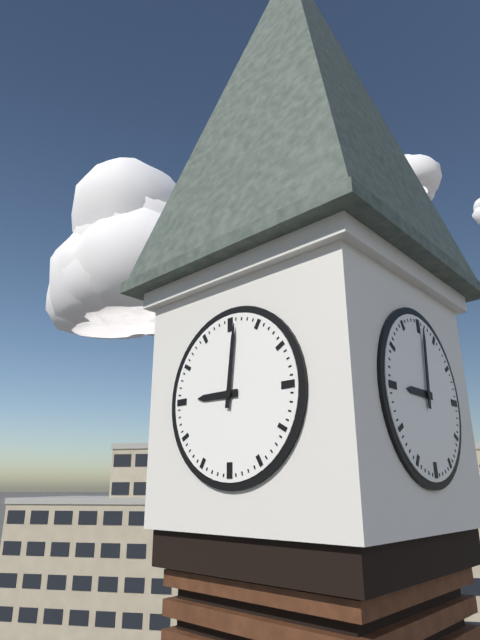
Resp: {"hour": 9, "minute": 1}
